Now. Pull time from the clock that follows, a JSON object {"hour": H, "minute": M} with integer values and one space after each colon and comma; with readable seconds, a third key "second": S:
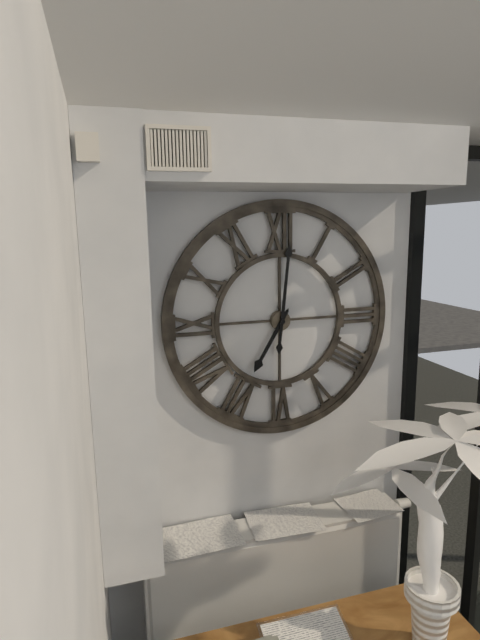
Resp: {"hour": 7, "minute": 1}
